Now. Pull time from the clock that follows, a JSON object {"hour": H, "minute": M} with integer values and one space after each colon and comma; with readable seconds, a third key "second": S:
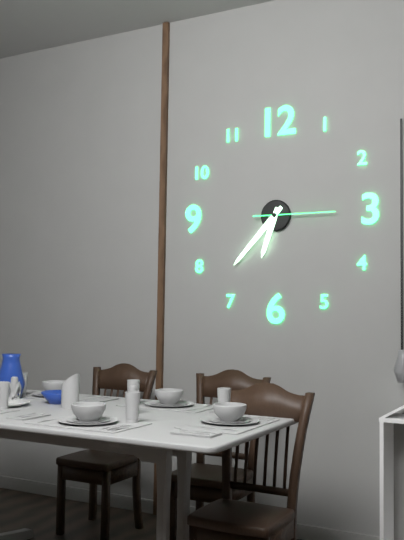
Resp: {"hour": 6, "minute": 37, "second": 15}
